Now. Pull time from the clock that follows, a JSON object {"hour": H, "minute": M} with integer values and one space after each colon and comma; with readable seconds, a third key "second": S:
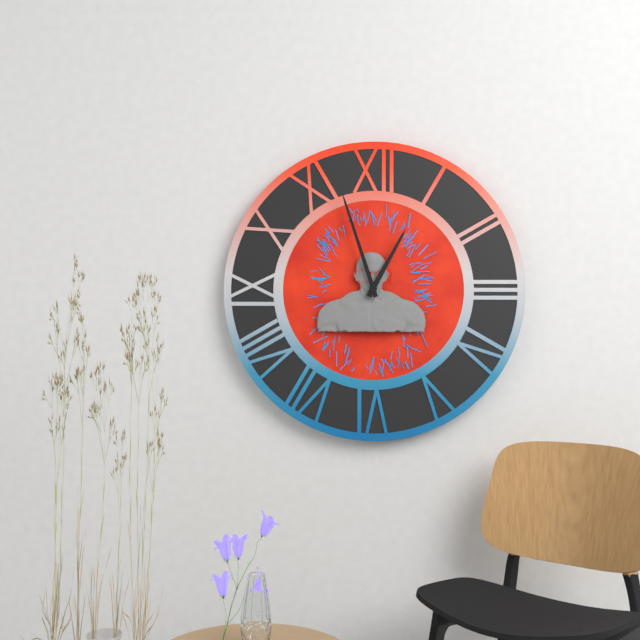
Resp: {"hour": 12, "minute": 57}
